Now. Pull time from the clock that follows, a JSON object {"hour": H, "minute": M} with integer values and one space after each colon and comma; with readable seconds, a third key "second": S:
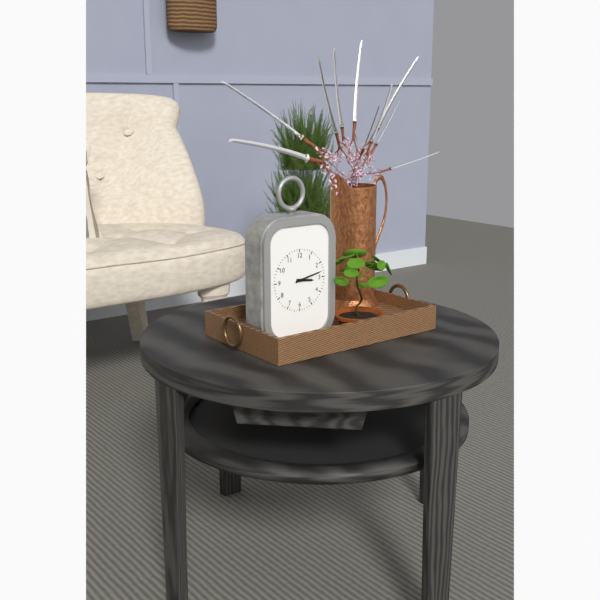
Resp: {"hour": 3, "minute": 13}
